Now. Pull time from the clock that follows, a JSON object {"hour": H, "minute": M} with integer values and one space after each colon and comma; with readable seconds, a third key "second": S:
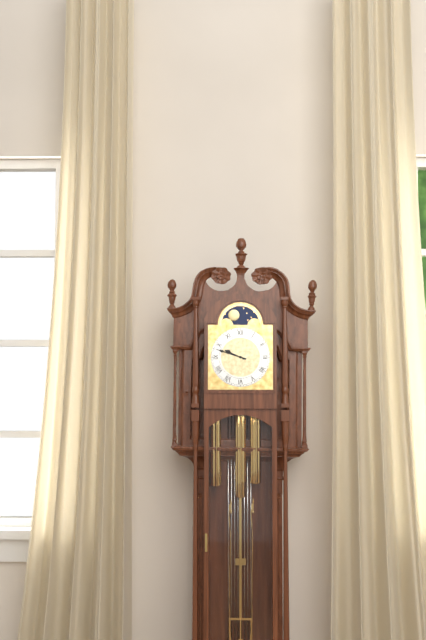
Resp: {"hour": 9, "minute": 48}
